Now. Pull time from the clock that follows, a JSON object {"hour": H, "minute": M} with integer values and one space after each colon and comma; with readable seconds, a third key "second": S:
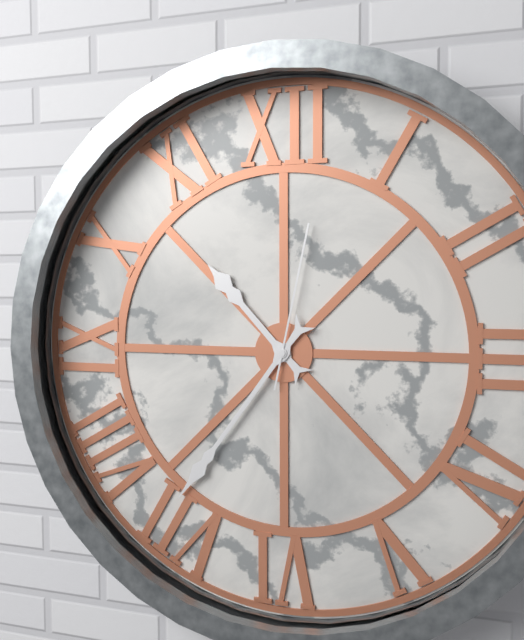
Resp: {"hour": 10, "minute": 36, "second": 2}
